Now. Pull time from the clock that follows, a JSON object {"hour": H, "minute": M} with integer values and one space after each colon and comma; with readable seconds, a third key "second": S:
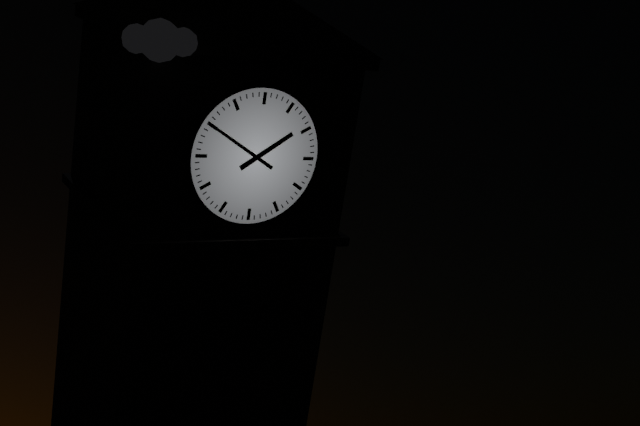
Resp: {"hour": 1, "minute": 50}
